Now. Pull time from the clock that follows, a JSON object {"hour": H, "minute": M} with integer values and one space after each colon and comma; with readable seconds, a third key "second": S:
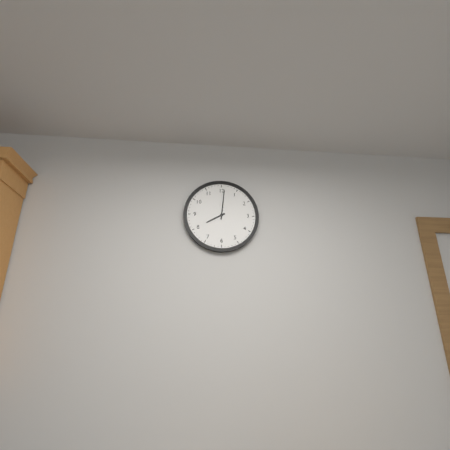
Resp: {"hour": 8, "minute": 1}
